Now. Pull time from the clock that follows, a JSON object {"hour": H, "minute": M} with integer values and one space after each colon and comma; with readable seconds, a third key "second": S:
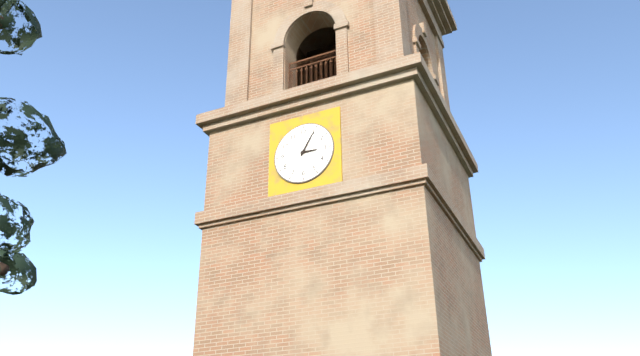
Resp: {"hour": 3, "minute": 5}
